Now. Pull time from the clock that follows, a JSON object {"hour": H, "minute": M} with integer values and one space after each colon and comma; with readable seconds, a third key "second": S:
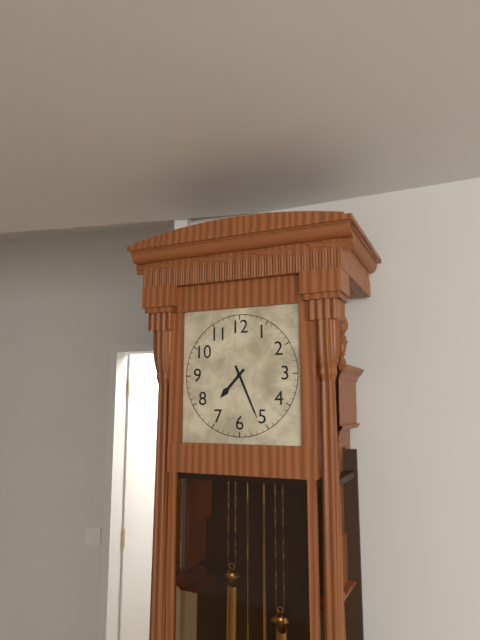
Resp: {"hour": 7, "minute": 26}
